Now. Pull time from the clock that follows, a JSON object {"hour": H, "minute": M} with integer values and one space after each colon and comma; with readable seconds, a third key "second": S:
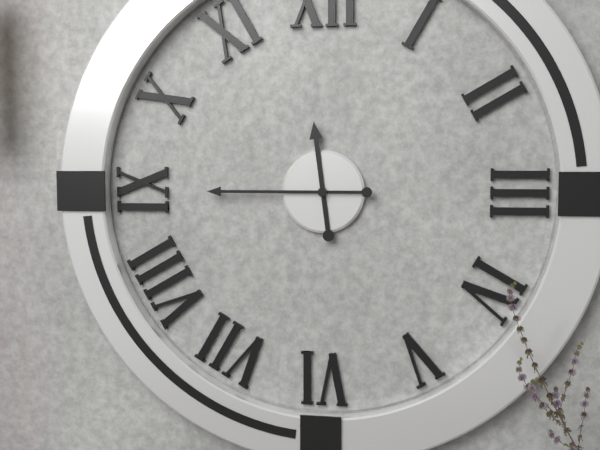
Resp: {"hour": 11, "minute": 45}
